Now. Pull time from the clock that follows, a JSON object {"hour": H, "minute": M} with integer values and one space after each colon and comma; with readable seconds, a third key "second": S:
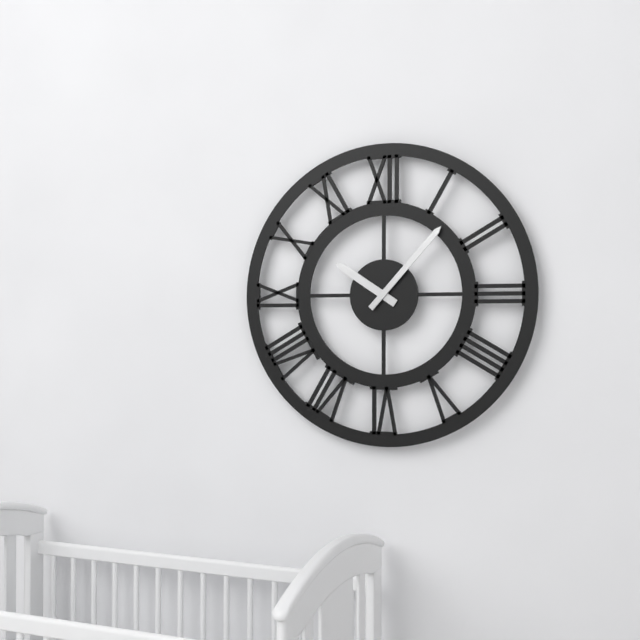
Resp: {"hour": 10, "minute": 7}
